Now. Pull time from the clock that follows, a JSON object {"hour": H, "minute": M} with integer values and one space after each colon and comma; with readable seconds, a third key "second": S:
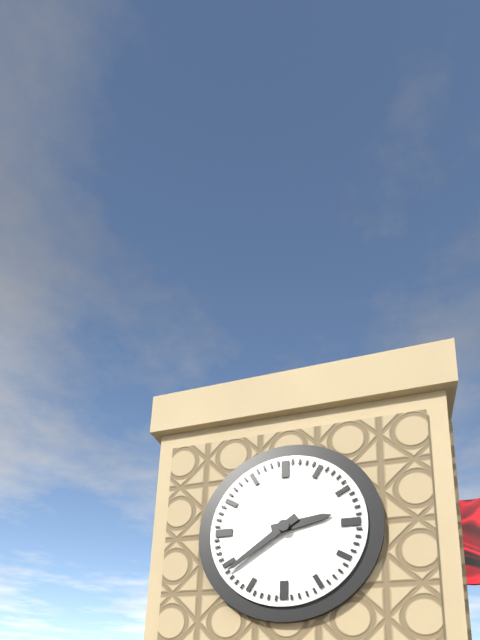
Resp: {"hour": 2, "minute": 39}
